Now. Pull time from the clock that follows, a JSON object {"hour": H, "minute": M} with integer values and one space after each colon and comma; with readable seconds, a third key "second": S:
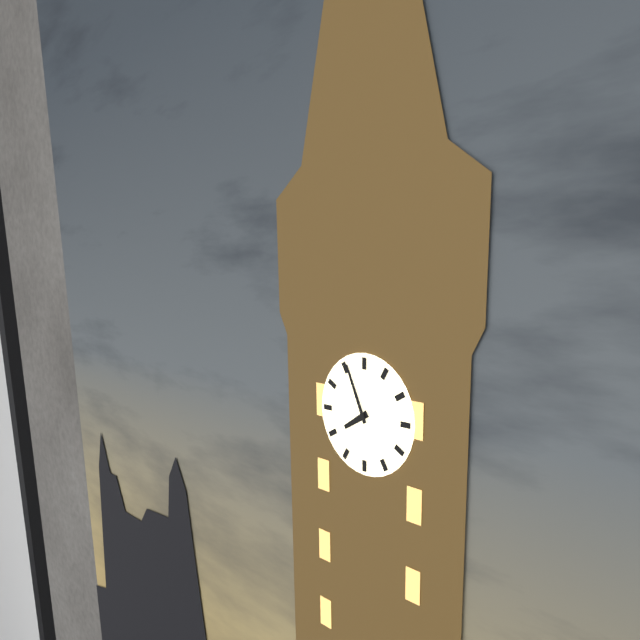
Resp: {"hour": 7, "minute": 56}
